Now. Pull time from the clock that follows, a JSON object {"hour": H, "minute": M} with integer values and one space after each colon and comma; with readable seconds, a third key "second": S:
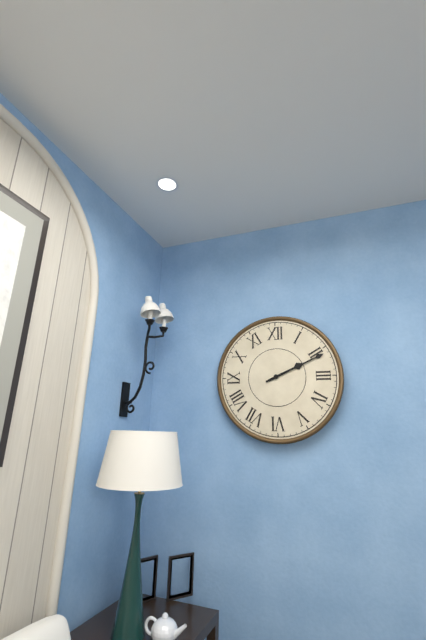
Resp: {"hour": 2, "minute": 11}
